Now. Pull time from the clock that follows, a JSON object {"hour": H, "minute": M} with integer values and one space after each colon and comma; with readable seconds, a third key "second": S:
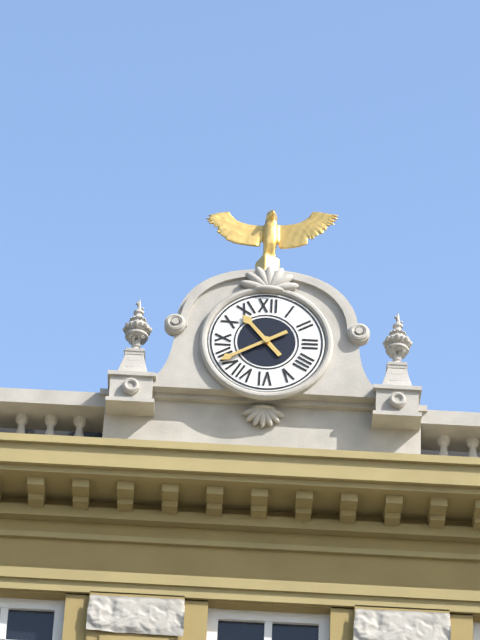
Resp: {"hour": 10, "minute": 40}
